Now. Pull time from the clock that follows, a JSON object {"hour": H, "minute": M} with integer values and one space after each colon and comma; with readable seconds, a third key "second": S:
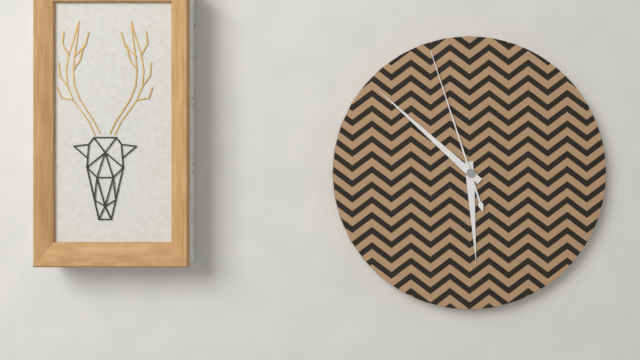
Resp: {"hour": 5, "minute": 52, "second": 57}
